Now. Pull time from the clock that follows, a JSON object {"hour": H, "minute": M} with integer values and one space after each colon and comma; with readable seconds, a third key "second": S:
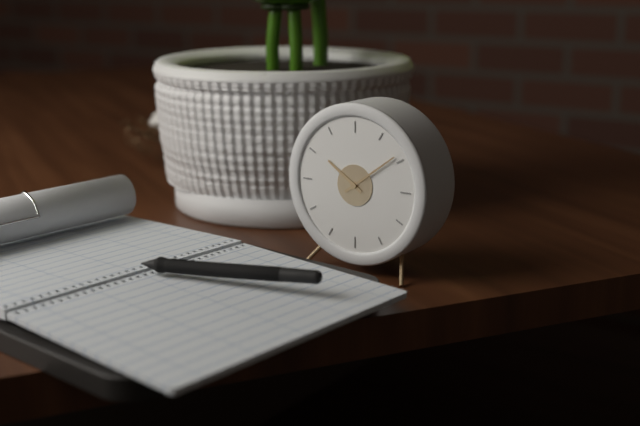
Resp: {"hour": 10, "minute": 9}
